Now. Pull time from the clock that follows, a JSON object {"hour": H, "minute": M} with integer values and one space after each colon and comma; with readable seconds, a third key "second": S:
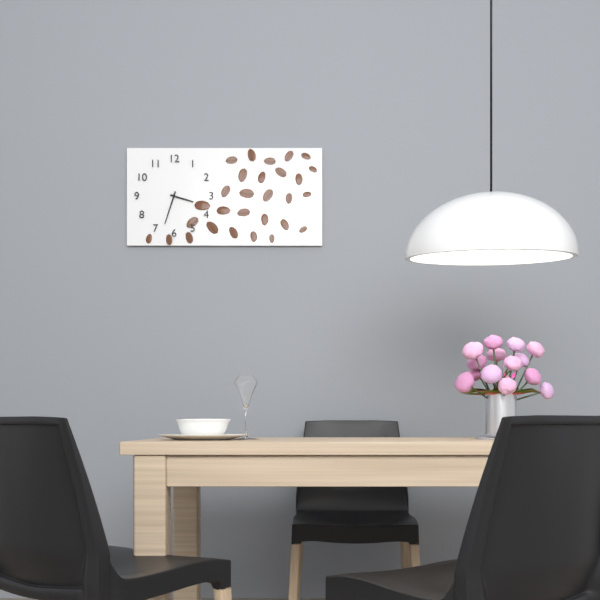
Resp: {"hour": 3, "minute": 33}
